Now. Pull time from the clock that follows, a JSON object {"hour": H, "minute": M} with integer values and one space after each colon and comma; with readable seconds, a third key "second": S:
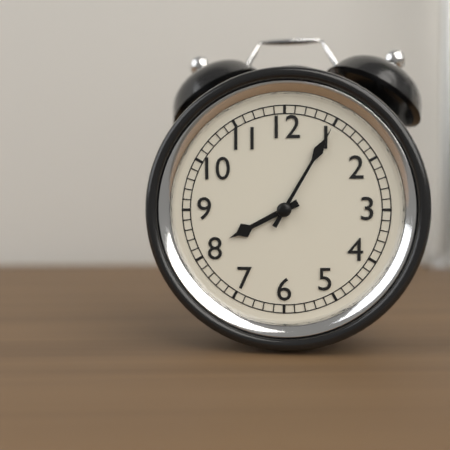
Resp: {"hour": 8, "minute": 5}
